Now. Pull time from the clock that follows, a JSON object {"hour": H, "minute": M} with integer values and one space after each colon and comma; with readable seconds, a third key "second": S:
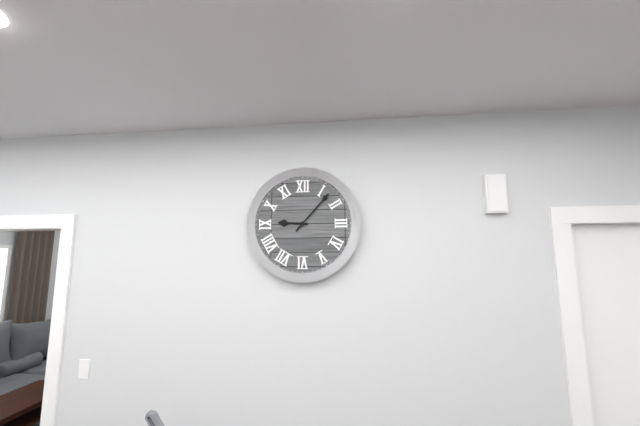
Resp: {"hour": 9, "minute": 7}
